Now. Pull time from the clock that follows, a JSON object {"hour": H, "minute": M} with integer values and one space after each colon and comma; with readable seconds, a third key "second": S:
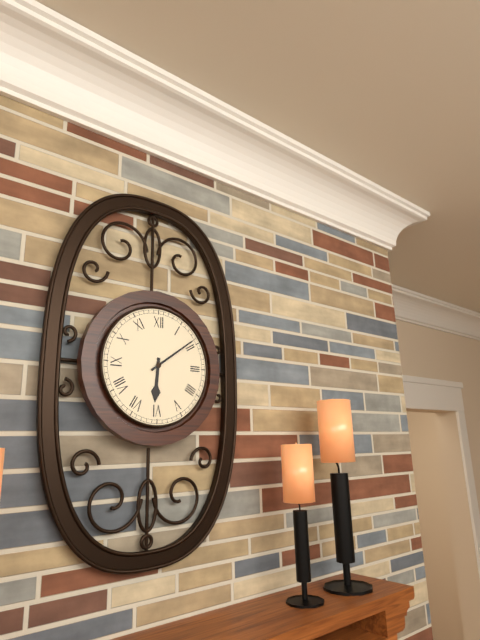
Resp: {"hour": 6, "minute": 9}
